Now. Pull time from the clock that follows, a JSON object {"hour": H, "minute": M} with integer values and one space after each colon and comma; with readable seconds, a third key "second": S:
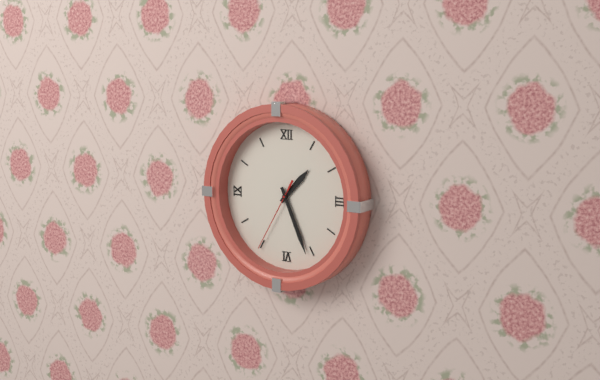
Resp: {"hour": 1, "minute": 26, "second": 35}
